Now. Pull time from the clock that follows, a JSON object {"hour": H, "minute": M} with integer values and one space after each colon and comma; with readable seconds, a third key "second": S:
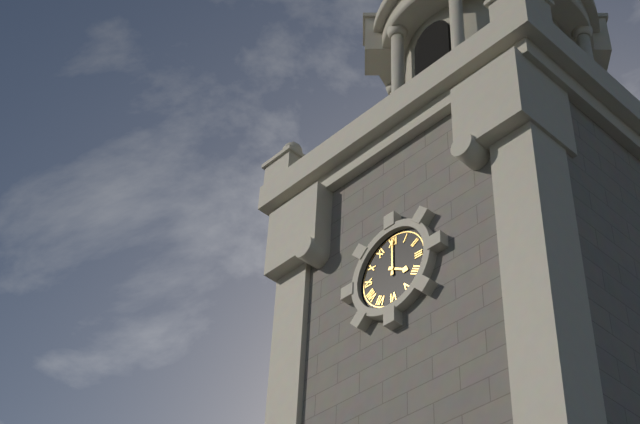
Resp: {"hour": 4, "minute": 0}
